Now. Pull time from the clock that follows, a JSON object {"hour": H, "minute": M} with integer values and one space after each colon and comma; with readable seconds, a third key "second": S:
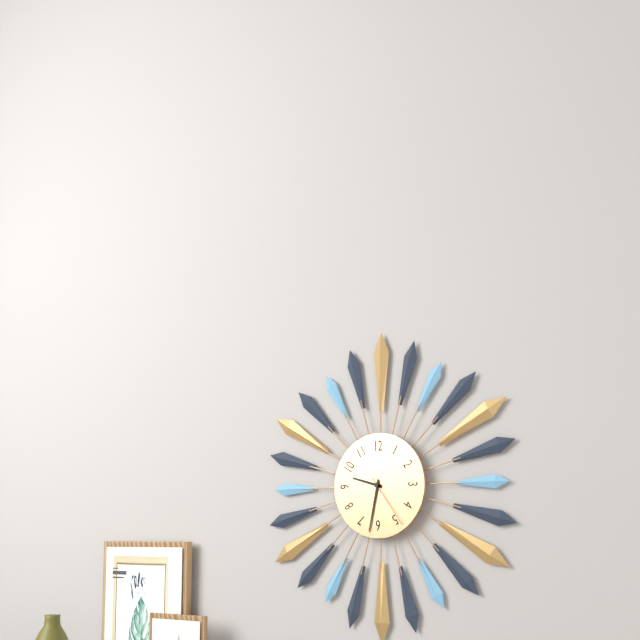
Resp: {"hour": 9, "minute": 32, "second": 24}
